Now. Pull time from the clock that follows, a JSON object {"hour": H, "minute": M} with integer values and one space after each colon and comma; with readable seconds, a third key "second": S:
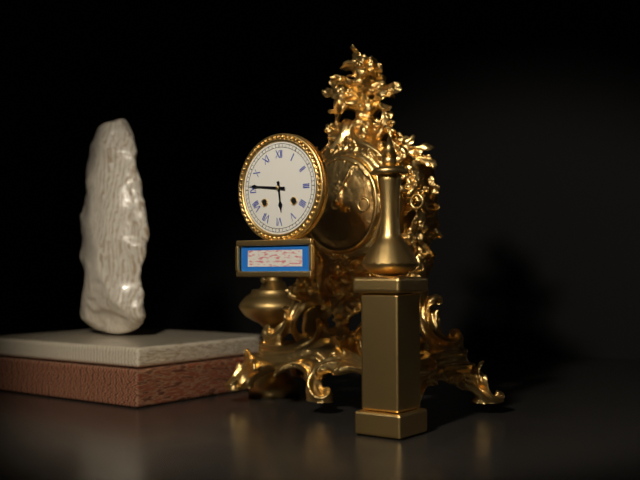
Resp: {"hour": 5, "minute": 46}
